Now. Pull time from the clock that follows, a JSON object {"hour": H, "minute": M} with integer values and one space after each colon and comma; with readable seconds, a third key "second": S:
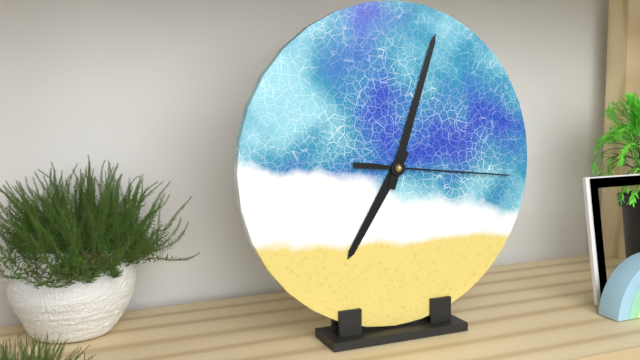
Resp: {"hour": 7, "minute": 3, "second": 16}
